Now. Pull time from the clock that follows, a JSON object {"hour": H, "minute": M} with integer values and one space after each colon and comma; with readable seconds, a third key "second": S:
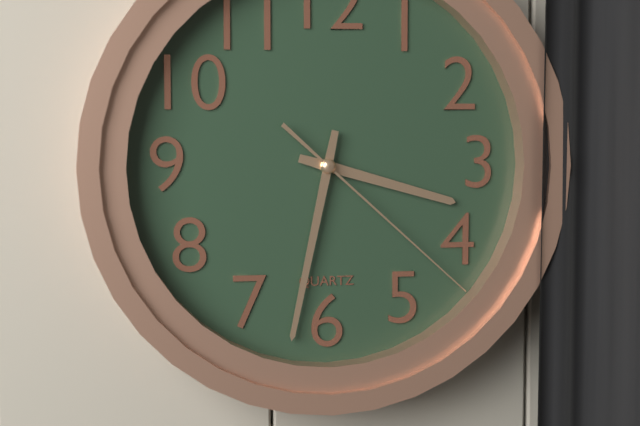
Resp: {"hour": 3, "minute": 32, "second": 22}
